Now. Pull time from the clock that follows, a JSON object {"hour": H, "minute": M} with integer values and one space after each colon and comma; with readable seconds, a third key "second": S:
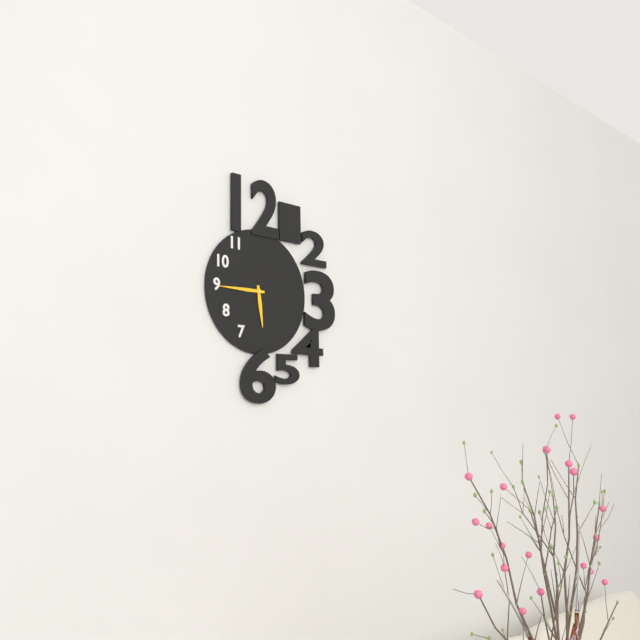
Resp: {"hour": 5, "minute": 45}
